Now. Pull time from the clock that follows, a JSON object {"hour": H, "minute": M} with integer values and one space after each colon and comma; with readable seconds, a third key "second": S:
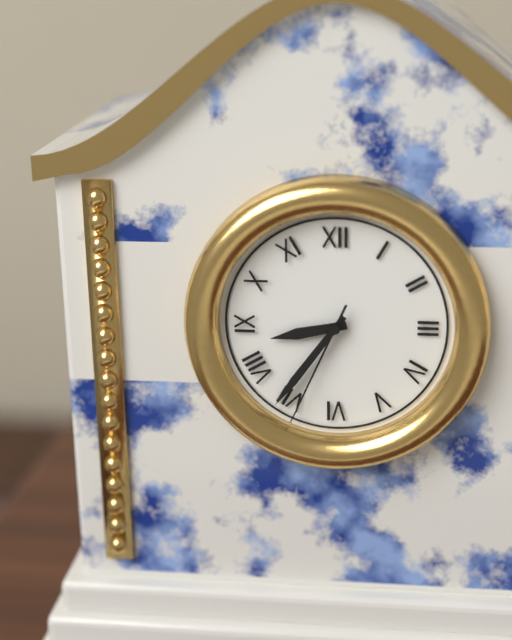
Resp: {"hour": 8, "minute": 36, "second": 34}
